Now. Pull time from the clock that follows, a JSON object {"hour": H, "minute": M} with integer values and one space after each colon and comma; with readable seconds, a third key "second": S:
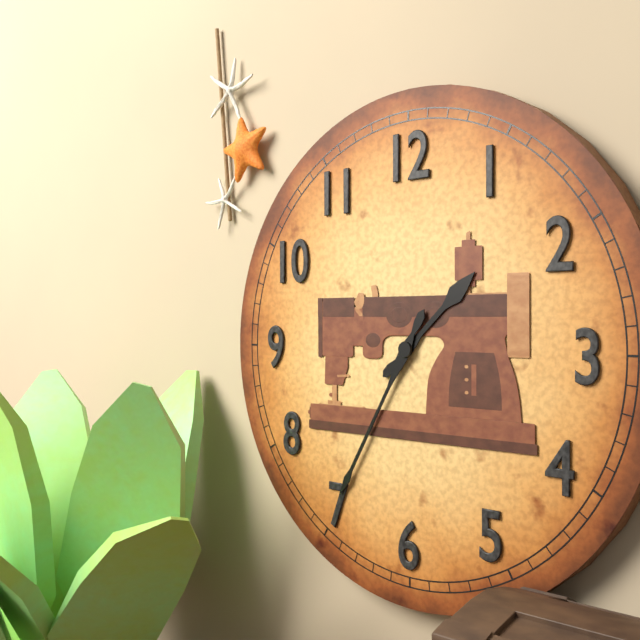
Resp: {"hour": 1, "minute": 35}
